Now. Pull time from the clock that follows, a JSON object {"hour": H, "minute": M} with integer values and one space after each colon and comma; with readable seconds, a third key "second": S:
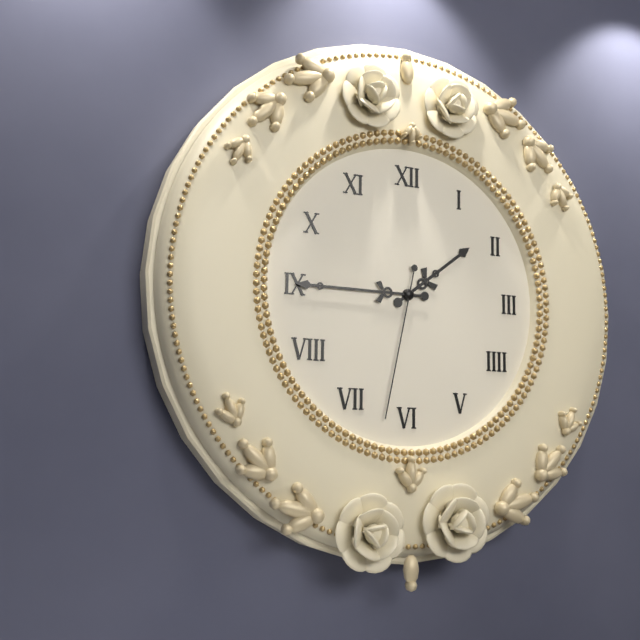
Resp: {"hour": 1, "minute": 45, "second": 32}
